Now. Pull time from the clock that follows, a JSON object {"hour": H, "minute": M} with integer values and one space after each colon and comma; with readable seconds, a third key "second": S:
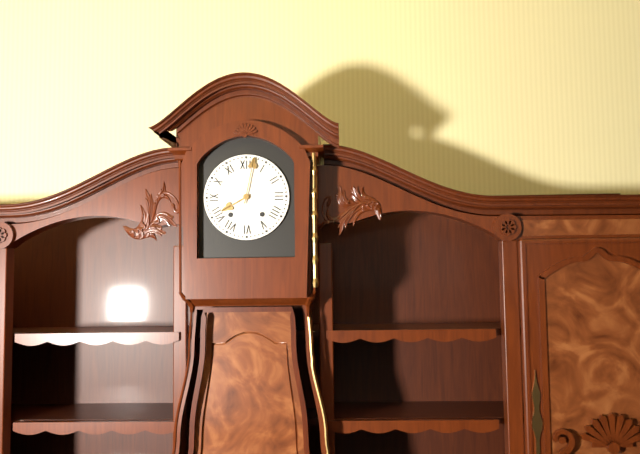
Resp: {"hour": 8, "minute": 2}
